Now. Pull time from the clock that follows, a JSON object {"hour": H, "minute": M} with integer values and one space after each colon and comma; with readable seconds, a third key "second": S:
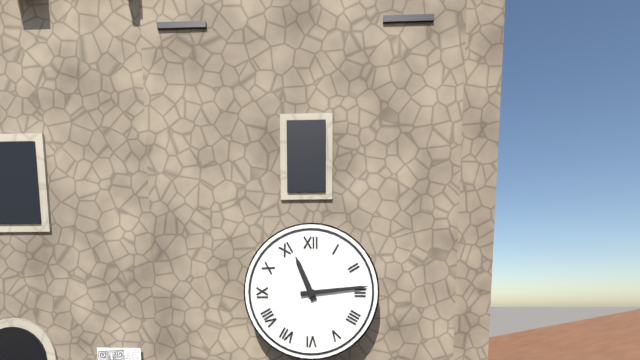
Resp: {"hour": 11, "minute": 14}
